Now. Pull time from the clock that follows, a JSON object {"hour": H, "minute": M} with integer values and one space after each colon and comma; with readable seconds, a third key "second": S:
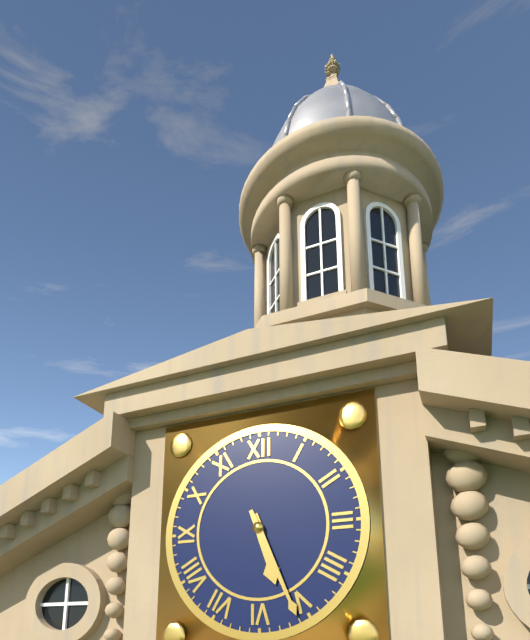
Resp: {"hour": 5, "minute": 26}
